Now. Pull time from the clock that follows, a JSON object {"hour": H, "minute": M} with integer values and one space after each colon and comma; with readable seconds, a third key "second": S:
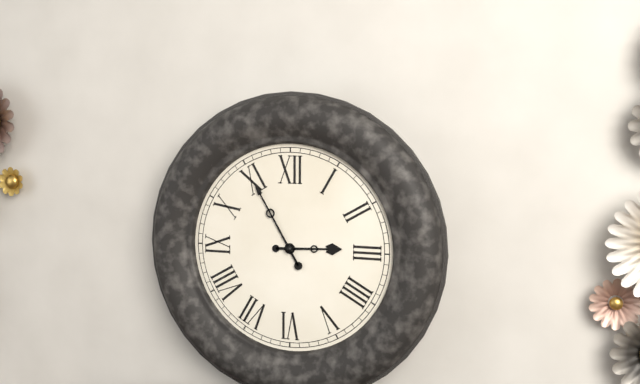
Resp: {"hour": 2, "minute": 55}
